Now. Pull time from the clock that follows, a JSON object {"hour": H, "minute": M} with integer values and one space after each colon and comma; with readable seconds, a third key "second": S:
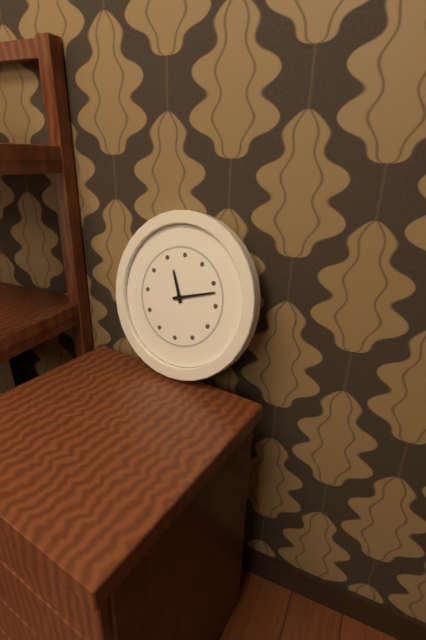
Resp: {"hour": 11, "minute": 12}
